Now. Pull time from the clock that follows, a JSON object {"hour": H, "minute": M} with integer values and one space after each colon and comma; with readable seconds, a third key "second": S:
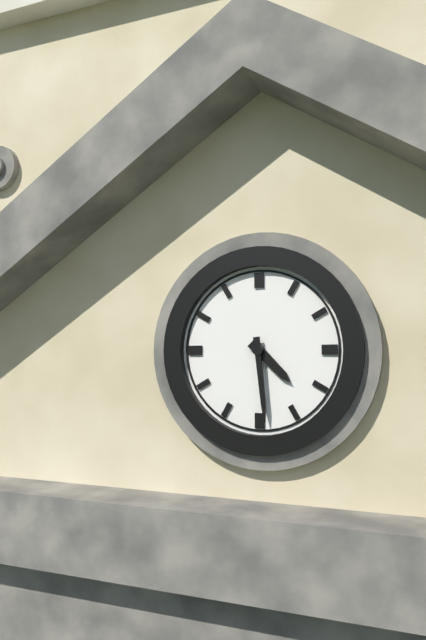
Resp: {"hour": 4, "minute": 29}
